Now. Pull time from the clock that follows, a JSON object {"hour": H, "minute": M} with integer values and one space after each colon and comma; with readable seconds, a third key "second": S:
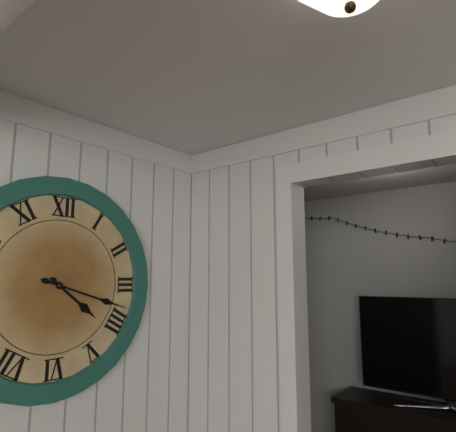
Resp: {"hour": 4, "minute": 18}
